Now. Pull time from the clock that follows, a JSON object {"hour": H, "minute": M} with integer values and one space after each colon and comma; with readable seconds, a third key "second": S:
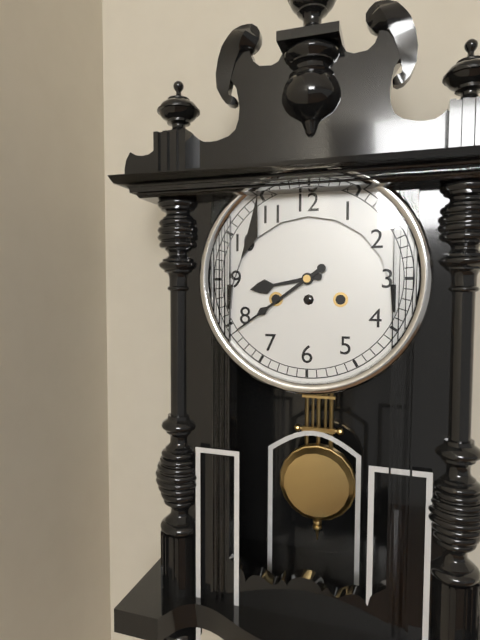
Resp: {"hour": 8, "minute": 39}
